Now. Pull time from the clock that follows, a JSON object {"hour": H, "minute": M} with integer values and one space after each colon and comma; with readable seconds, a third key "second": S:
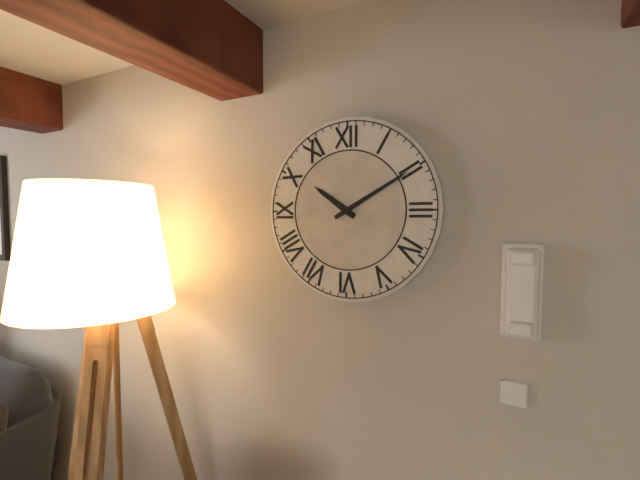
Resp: {"hour": 10, "minute": 10}
